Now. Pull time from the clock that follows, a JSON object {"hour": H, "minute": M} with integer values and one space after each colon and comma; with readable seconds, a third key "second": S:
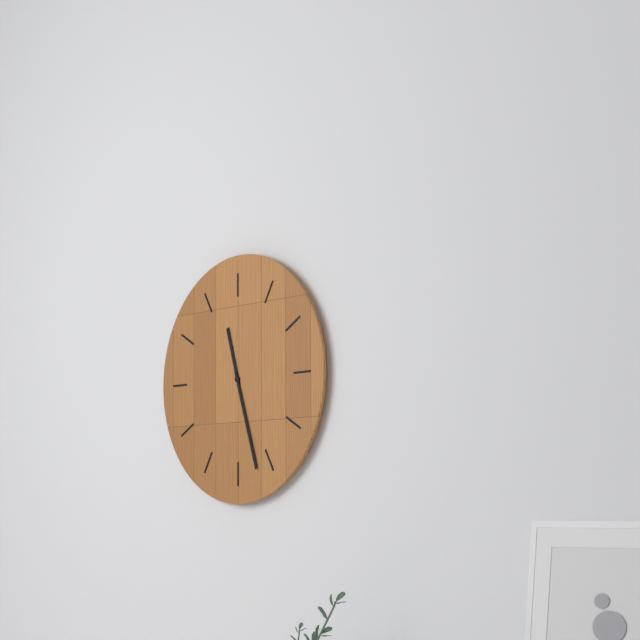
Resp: {"hour": 11, "minute": 27}
